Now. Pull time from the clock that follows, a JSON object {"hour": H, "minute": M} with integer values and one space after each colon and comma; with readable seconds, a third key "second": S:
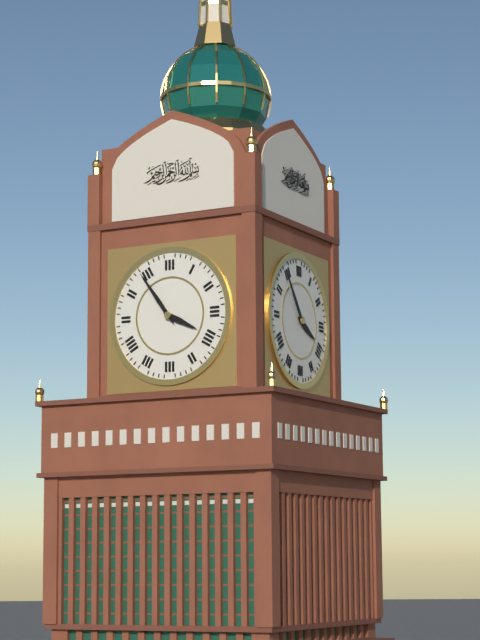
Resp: {"hour": 3, "minute": 54}
